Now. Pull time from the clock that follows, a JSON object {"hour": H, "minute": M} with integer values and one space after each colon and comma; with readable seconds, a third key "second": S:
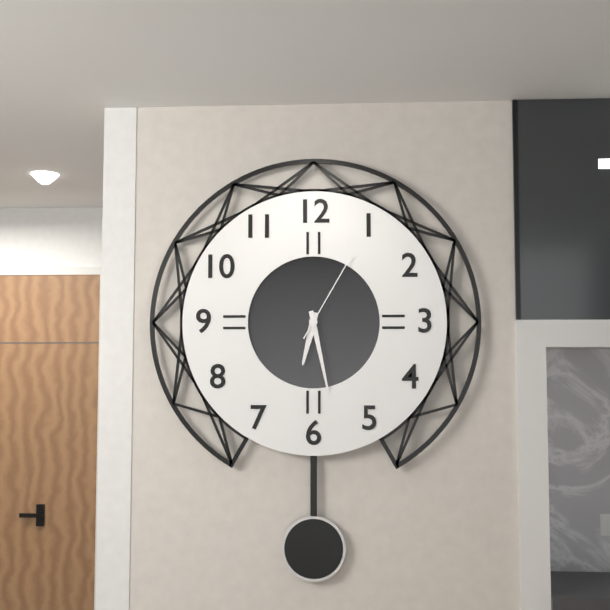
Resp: {"hour": 6, "minute": 28, "second": 5}
